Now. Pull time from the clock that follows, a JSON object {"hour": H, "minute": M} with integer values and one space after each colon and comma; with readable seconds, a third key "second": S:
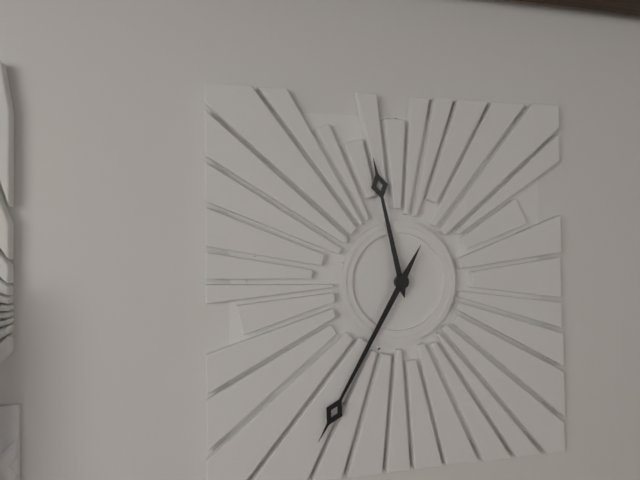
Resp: {"hour": 11, "minute": 35}
